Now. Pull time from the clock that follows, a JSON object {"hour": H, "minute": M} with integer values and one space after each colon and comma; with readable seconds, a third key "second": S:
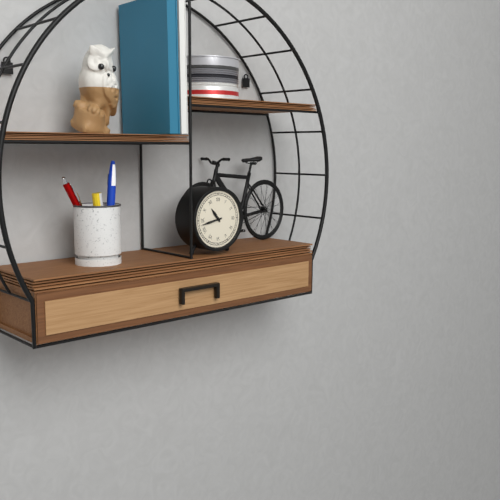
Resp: {"hour": 10, "minute": 43}
